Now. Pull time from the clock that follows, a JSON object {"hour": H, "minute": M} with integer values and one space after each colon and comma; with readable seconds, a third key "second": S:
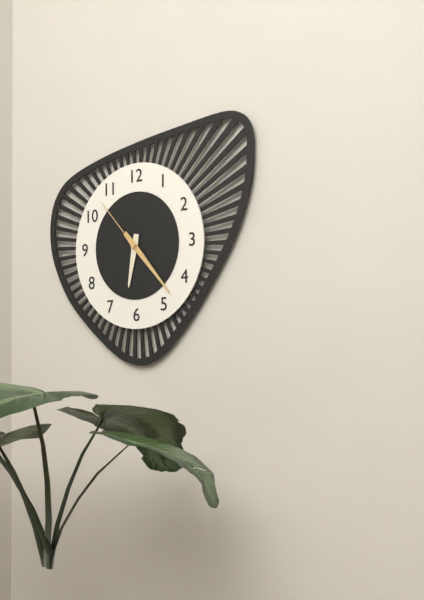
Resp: {"hour": 6, "minute": 23, "second": 53}
